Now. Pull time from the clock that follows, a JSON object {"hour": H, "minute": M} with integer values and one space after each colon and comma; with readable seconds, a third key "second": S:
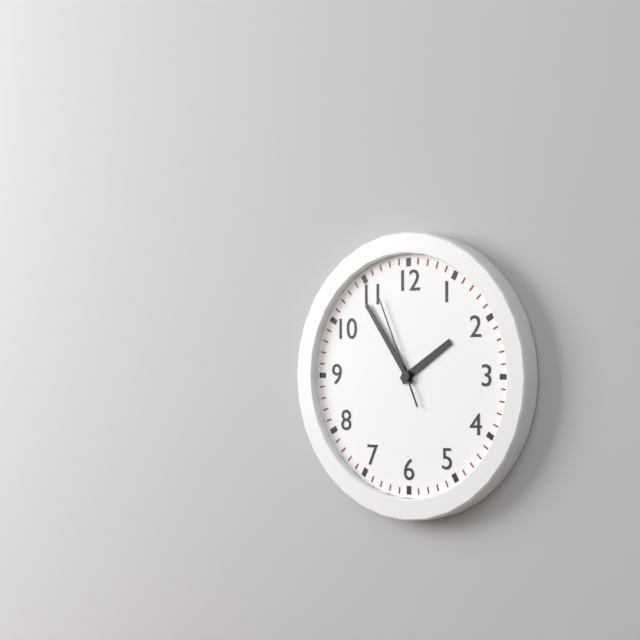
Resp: {"hour": 1, "minute": 54, "second": 56}
